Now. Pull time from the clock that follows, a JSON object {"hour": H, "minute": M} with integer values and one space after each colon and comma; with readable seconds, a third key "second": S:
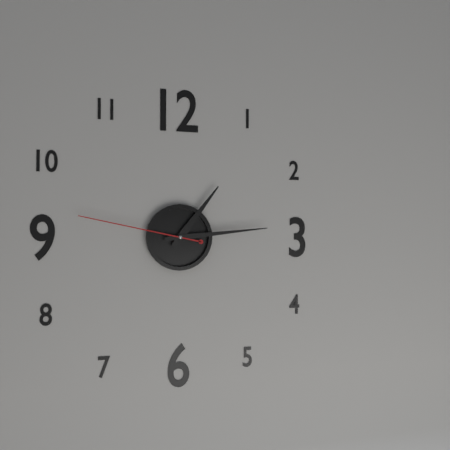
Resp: {"hour": 1, "minute": 14, "second": 47}
